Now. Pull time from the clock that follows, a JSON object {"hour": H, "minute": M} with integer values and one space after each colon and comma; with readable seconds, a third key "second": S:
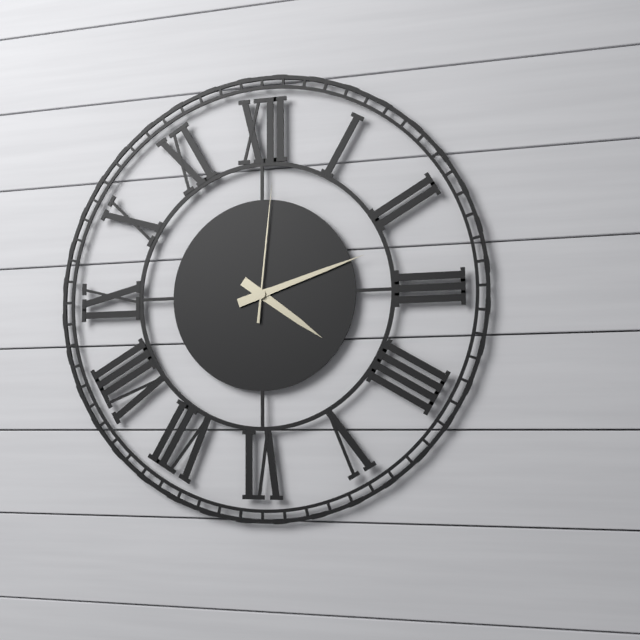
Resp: {"hour": 4, "minute": 12, "second": 1}
